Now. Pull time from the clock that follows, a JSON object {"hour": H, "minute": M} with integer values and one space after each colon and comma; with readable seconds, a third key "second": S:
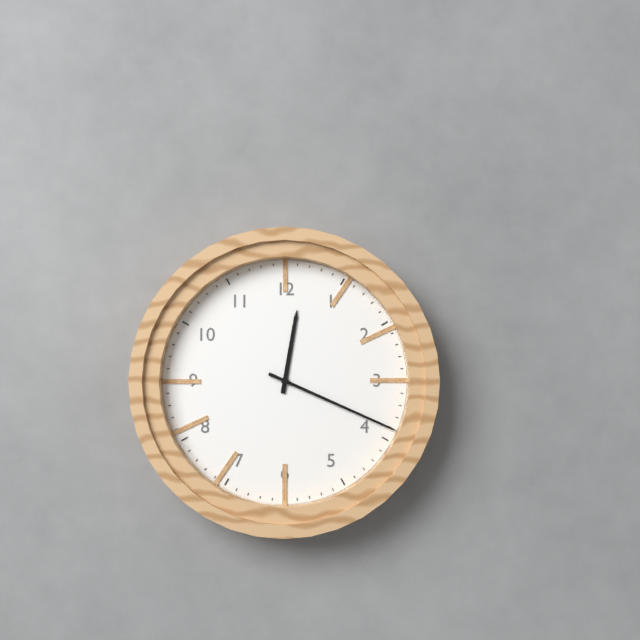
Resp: {"hour": 12, "minute": 19}
